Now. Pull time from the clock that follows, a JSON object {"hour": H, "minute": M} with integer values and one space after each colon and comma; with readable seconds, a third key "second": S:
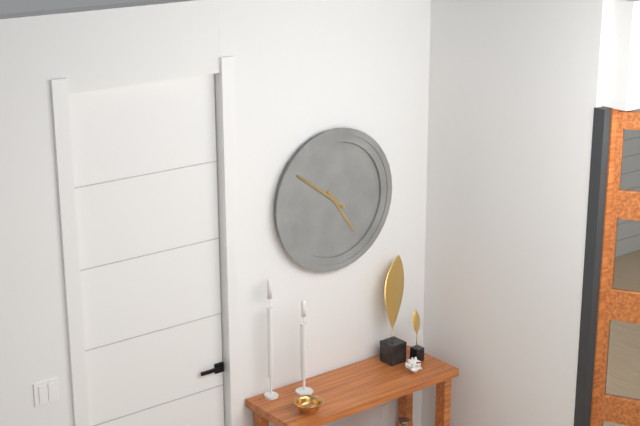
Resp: {"hour": 4, "minute": 51}
